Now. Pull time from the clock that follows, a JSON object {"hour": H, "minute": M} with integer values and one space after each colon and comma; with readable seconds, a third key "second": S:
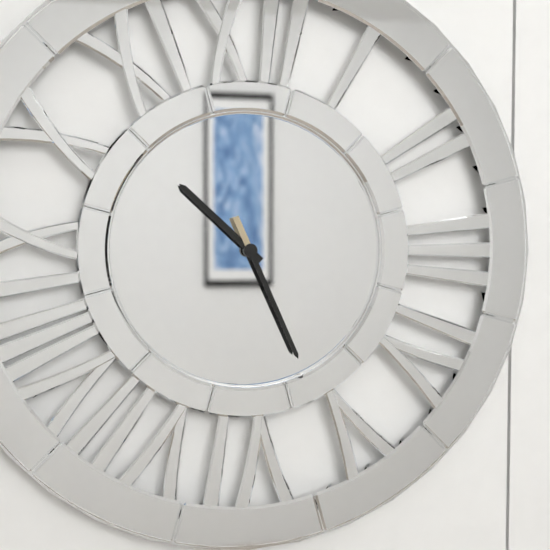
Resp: {"hour": 10, "minute": 26}
